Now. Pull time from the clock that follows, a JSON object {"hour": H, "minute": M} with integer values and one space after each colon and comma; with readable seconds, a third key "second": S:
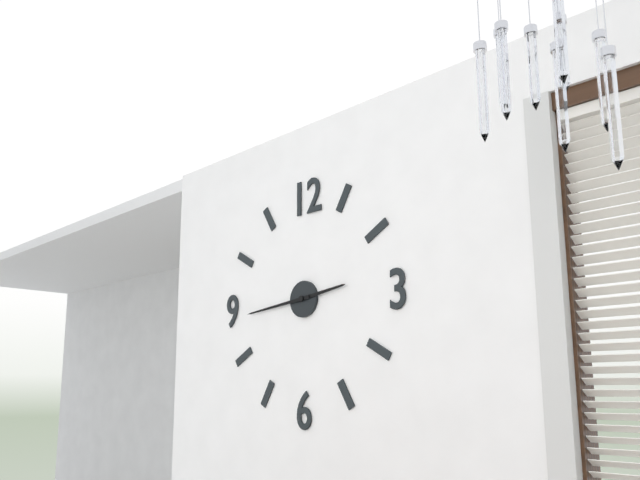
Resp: {"hour": 2, "minute": 44}
